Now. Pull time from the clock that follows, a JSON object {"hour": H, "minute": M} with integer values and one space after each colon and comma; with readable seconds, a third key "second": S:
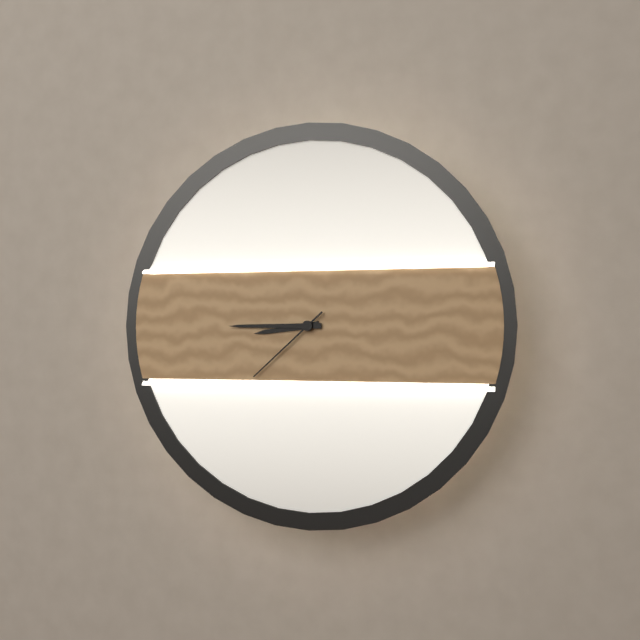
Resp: {"hour": 8, "minute": 45, "second": 38}
